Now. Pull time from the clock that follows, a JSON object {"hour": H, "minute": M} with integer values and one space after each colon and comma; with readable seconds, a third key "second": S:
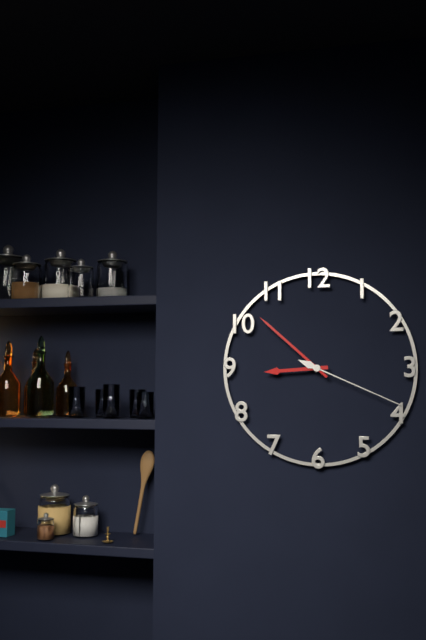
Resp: {"hour": 8, "minute": 52, "second": 19}
